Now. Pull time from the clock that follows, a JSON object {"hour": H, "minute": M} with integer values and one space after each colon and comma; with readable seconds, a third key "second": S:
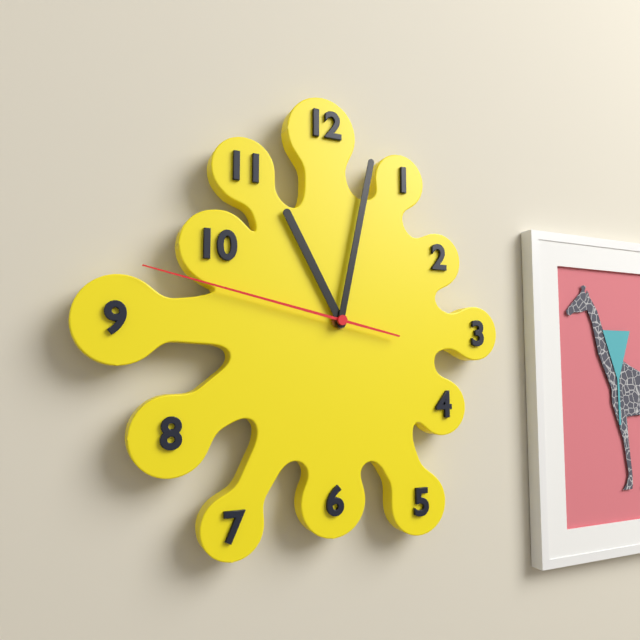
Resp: {"hour": 11, "minute": 2, "second": 47}
